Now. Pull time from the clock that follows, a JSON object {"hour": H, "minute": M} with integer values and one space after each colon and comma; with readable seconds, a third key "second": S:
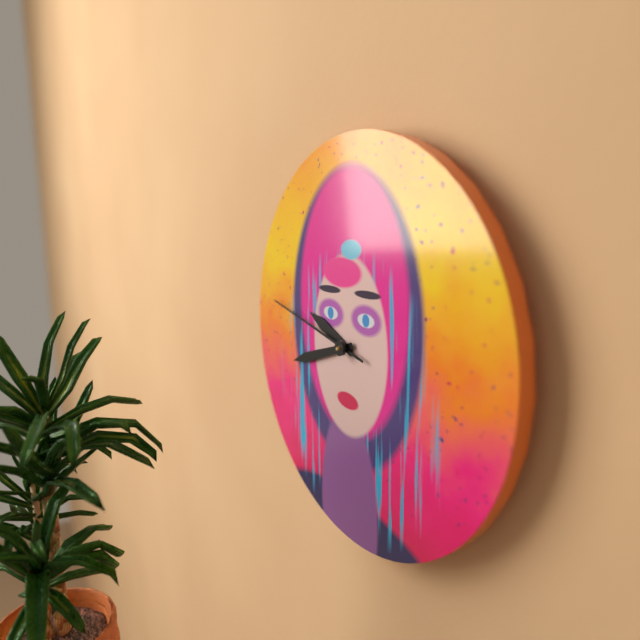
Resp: {"hour": 9, "minute": 42, "second": 47}
